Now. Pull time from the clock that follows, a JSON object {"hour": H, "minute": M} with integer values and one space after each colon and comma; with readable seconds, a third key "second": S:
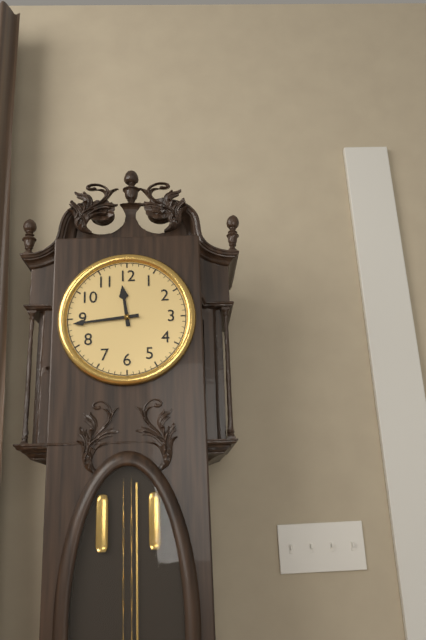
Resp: {"hour": 11, "minute": 44}
